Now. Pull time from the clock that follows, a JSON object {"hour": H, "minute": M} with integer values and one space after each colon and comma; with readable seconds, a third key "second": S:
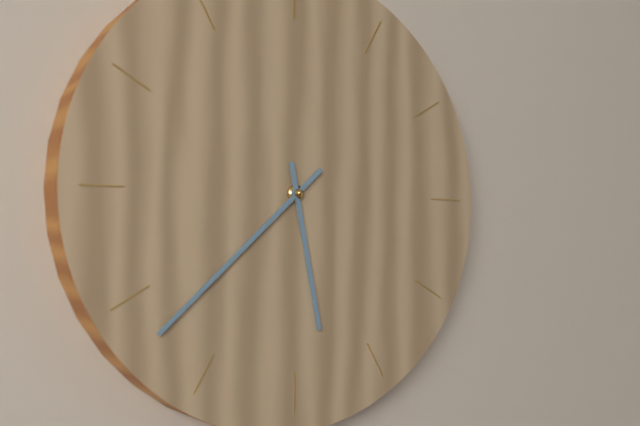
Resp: {"hour": 5, "minute": 38}
